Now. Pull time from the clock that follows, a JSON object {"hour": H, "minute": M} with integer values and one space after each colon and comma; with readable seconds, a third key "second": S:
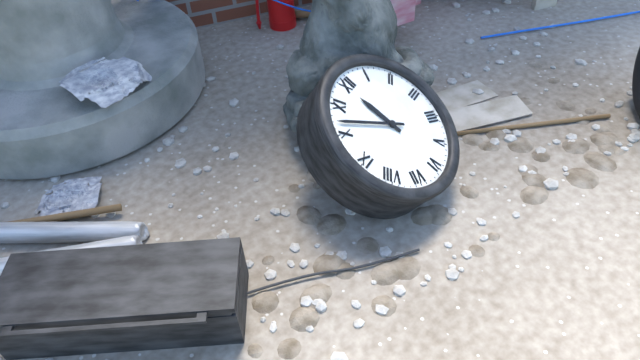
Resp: {"hour": 11, "minute": 52}
